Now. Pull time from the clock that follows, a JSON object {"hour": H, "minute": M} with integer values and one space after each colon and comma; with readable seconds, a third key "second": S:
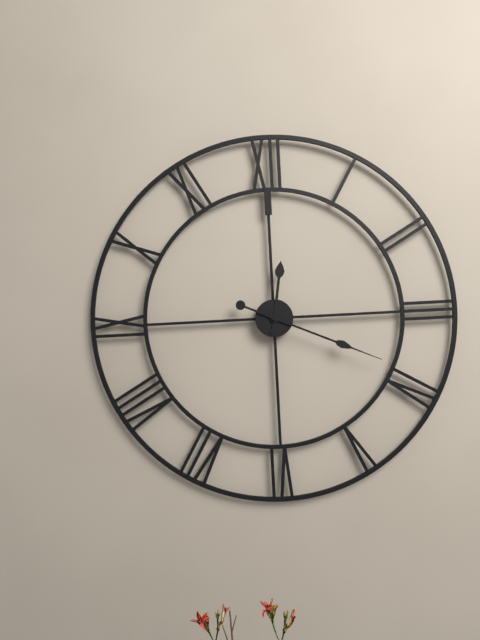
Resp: {"hour": 12, "minute": 19}
